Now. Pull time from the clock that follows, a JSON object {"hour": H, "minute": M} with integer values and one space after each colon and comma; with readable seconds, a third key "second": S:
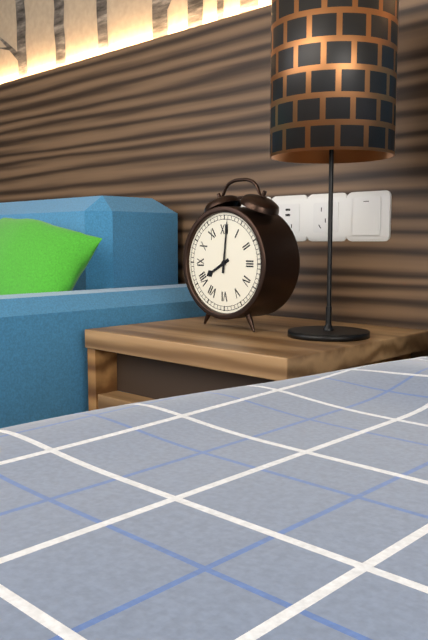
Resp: {"hour": 8, "minute": 1}
